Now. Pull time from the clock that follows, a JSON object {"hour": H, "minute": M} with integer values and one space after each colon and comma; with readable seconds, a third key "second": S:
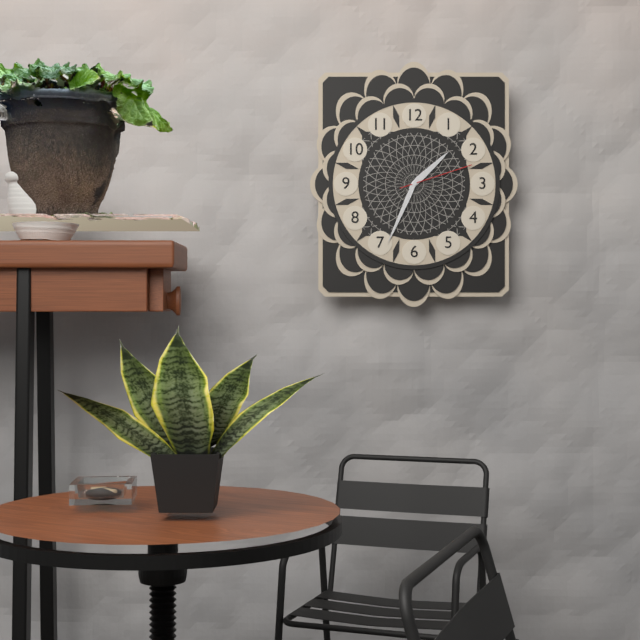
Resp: {"hour": 1, "minute": 34, "second": 12}
